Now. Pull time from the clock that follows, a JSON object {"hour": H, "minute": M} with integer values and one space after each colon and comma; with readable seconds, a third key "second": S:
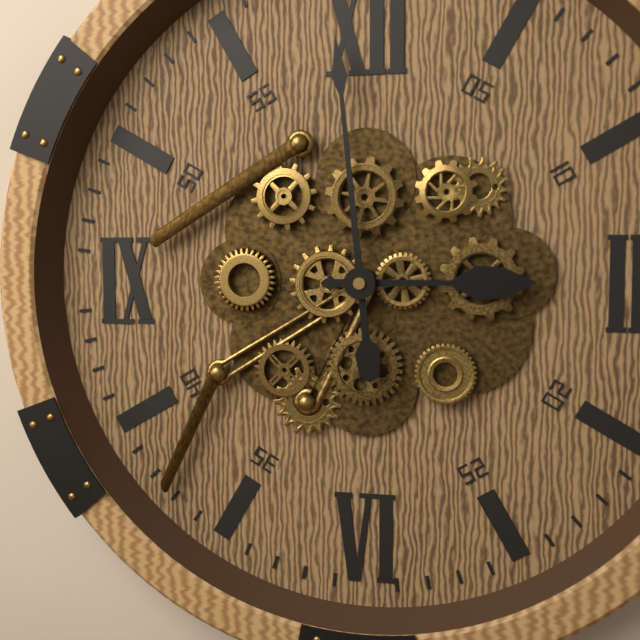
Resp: {"hour": 2, "minute": 59}
